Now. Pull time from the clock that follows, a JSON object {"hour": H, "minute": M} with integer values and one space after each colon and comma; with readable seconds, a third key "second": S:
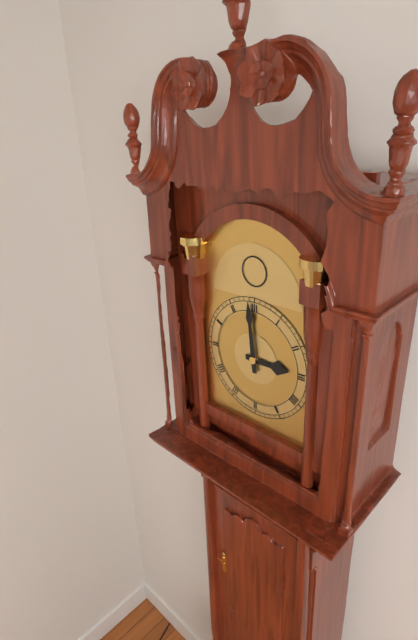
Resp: {"hour": 2, "minute": 59}
